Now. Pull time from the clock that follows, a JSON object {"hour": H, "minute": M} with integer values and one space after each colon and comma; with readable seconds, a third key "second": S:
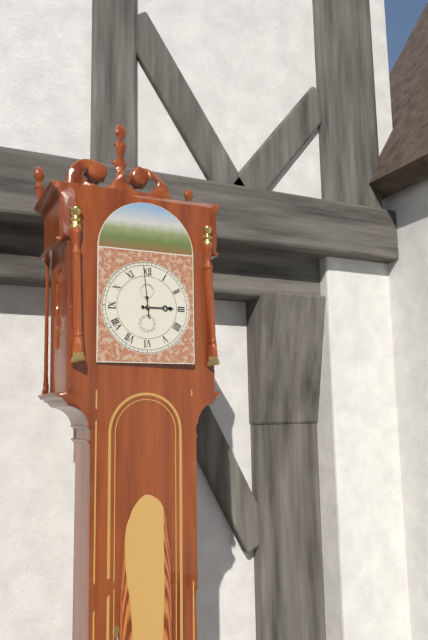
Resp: {"hour": 2, "minute": 59}
